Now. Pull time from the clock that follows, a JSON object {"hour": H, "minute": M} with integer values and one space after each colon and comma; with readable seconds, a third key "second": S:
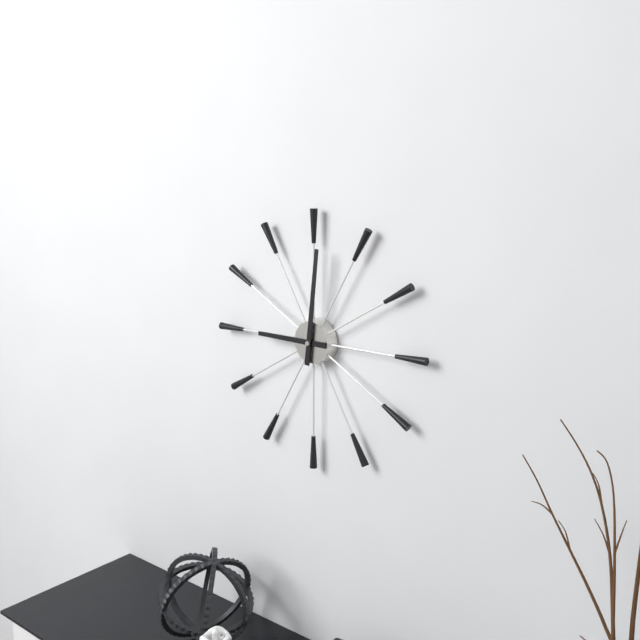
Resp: {"hour": 9, "minute": 1}
